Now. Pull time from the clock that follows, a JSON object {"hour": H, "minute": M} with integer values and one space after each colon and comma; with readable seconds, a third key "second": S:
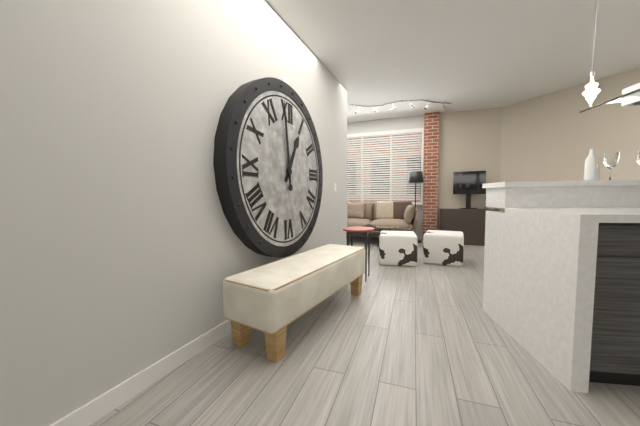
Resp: {"hour": 12, "minute": 59}
